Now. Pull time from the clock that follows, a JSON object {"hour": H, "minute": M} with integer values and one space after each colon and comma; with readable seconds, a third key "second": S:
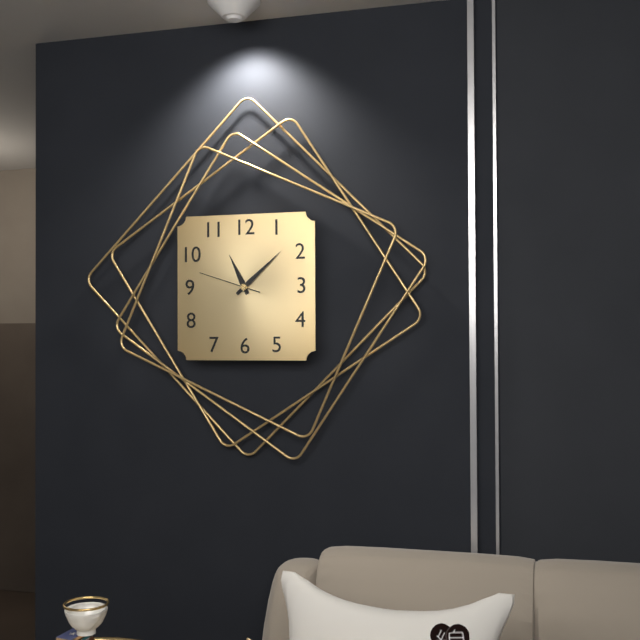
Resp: {"hour": 11, "minute": 8, "second": 48}
